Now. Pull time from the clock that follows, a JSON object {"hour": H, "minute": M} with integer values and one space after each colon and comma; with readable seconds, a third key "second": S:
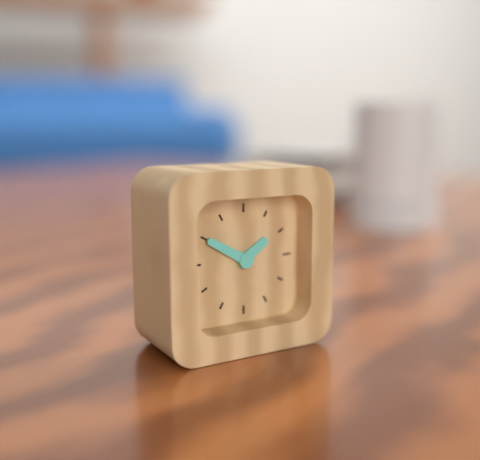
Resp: {"hour": 1, "minute": 50}
